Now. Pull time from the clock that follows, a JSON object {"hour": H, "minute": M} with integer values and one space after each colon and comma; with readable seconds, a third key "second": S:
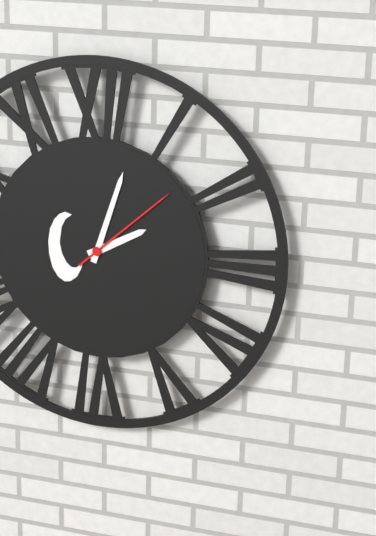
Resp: {"hour": 2, "minute": 3, "second": 8}
